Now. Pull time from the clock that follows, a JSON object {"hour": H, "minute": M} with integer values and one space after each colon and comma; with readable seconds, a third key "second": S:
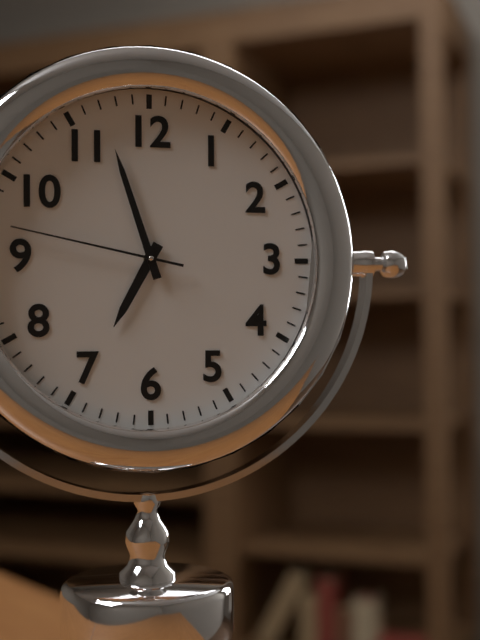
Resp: {"hour": 6, "minute": 57, "second": 47}
